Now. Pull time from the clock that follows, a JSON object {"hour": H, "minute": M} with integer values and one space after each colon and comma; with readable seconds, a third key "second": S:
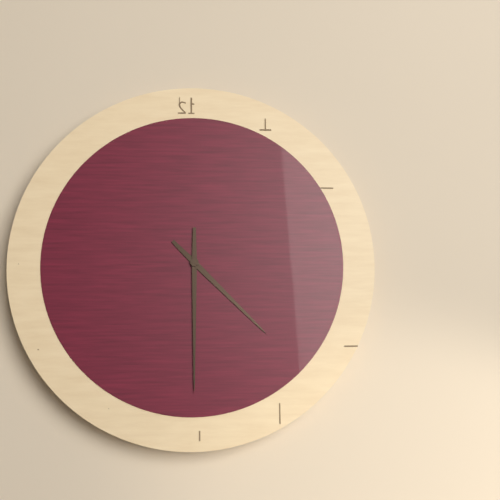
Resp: {"hour": 4, "minute": 30}
